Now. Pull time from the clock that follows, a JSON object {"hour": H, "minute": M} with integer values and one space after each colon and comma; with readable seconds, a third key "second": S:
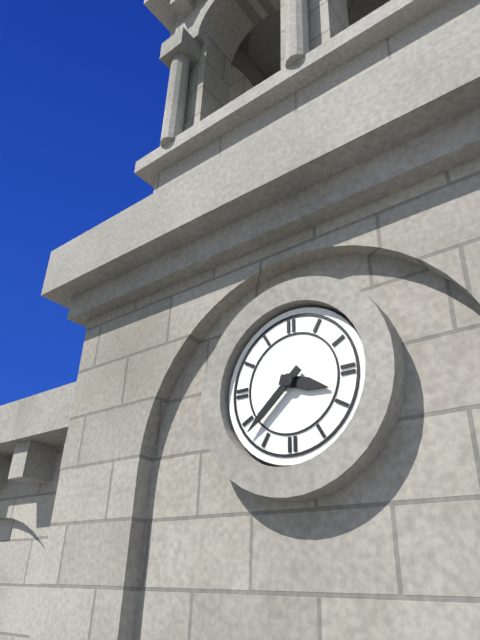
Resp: {"hour": 3, "minute": 38}
